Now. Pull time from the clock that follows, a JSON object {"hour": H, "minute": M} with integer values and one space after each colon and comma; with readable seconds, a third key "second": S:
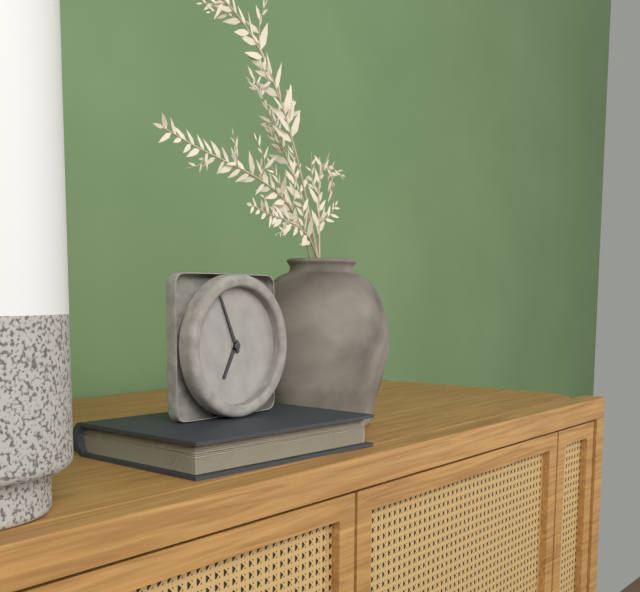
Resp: {"hour": 6, "minute": 56}
